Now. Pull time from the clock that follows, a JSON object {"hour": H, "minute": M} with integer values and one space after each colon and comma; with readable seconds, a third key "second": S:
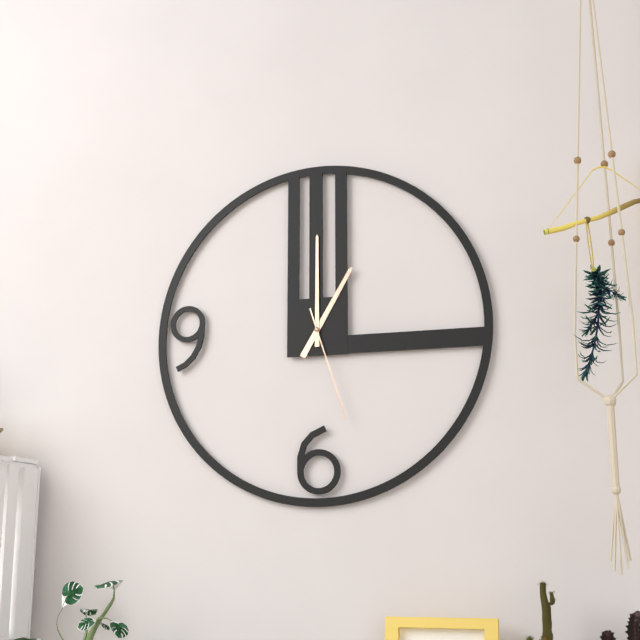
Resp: {"hour": 1, "minute": 0, "second": 27}
